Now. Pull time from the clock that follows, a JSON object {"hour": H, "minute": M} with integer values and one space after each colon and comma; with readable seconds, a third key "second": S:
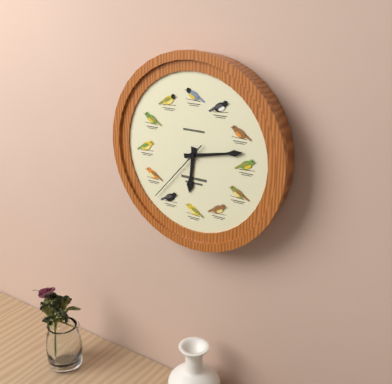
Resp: {"hour": 6, "minute": 13, "second": 37}
